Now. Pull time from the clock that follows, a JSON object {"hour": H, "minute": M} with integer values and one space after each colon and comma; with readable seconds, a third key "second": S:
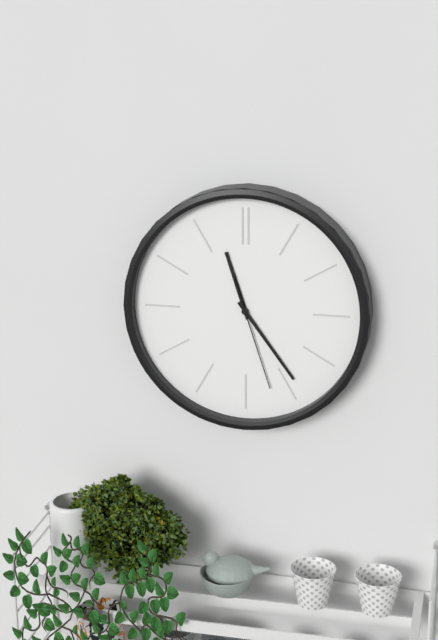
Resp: {"hour": 11, "minute": 24, "second": 27}
